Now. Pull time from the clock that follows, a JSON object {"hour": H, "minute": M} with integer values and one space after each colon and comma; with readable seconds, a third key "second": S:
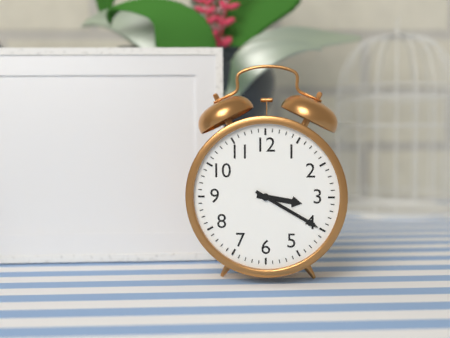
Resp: {"hour": 3, "minute": 20}
